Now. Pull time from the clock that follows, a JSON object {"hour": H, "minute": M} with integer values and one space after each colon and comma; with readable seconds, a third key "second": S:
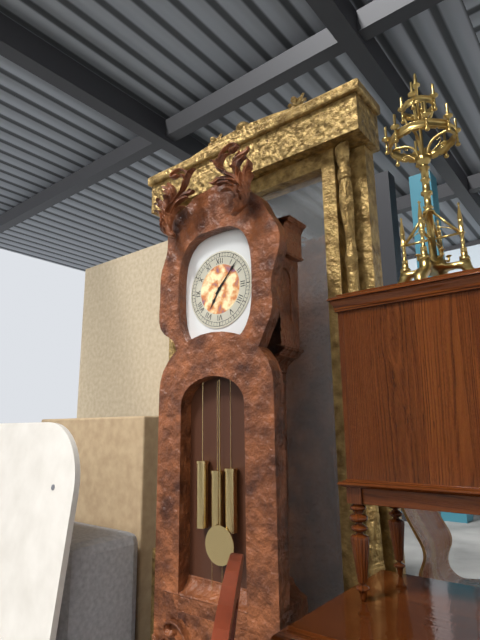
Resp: {"hour": 7, "minute": 7}
